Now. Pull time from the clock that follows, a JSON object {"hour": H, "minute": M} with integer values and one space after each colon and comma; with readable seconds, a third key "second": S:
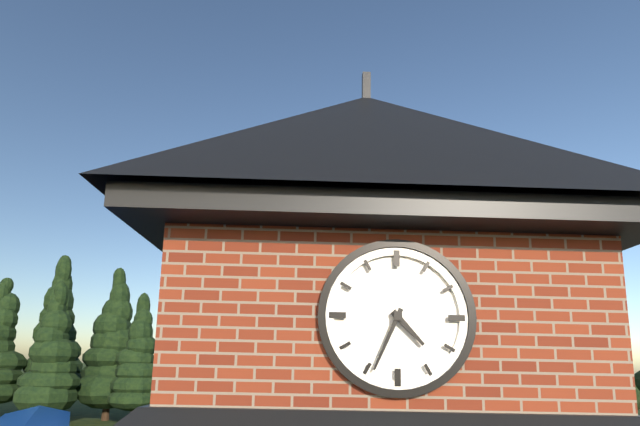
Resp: {"hour": 4, "minute": 34}
